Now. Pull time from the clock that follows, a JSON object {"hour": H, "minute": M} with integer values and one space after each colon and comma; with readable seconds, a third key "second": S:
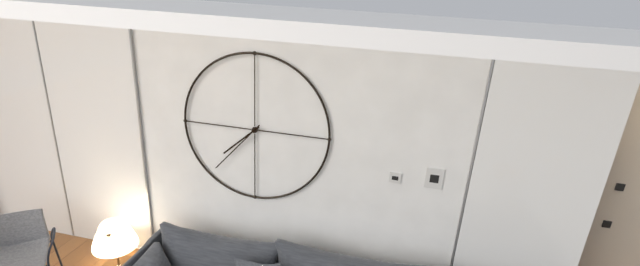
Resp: {"hour": 7, "minute": 37}
